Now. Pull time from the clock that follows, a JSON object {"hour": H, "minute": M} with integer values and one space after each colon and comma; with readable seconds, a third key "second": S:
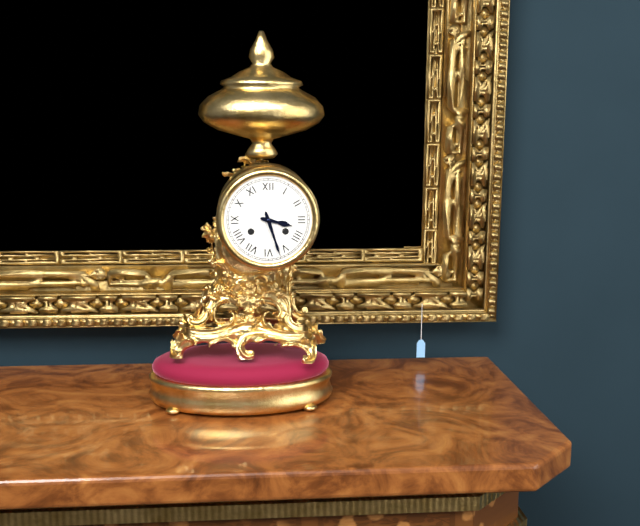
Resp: {"hour": 3, "minute": 27}
